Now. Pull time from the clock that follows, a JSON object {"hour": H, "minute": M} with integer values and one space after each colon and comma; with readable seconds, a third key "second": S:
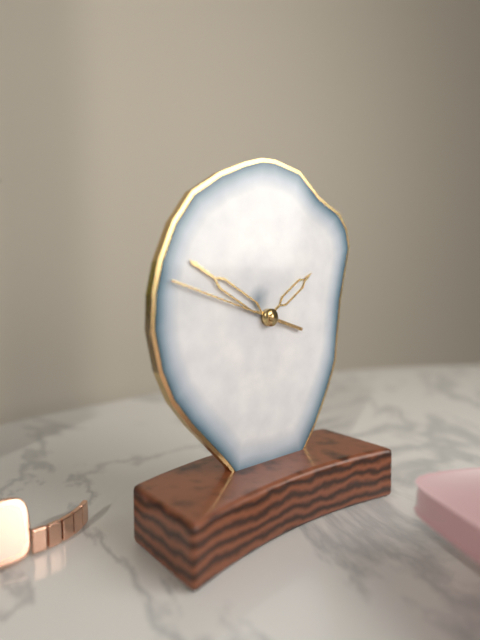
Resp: {"hour": 1, "minute": 50, "second": 48}
